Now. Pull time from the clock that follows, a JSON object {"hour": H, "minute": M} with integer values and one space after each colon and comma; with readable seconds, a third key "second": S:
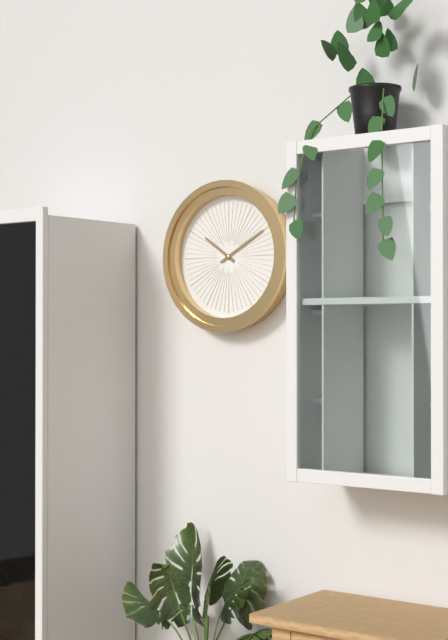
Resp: {"hour": 10, "minute": 10}
